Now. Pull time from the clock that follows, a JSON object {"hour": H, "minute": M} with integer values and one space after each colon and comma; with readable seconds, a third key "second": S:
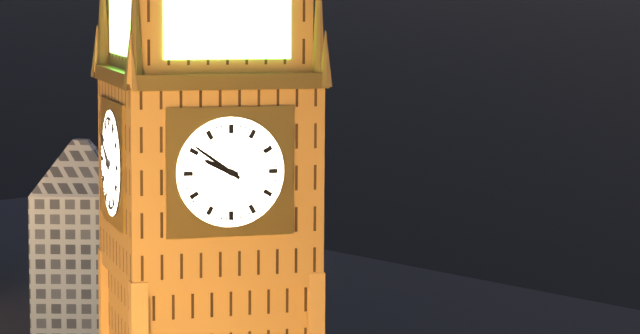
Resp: {"hour": 9, "minute": 51}
